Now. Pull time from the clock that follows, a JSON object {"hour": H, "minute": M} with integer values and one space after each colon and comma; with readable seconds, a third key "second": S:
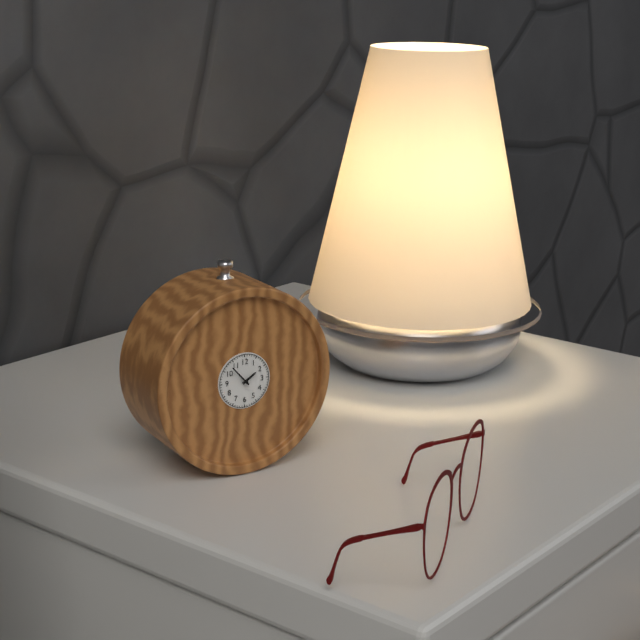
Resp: {"hour": 1, "minute": 53}
